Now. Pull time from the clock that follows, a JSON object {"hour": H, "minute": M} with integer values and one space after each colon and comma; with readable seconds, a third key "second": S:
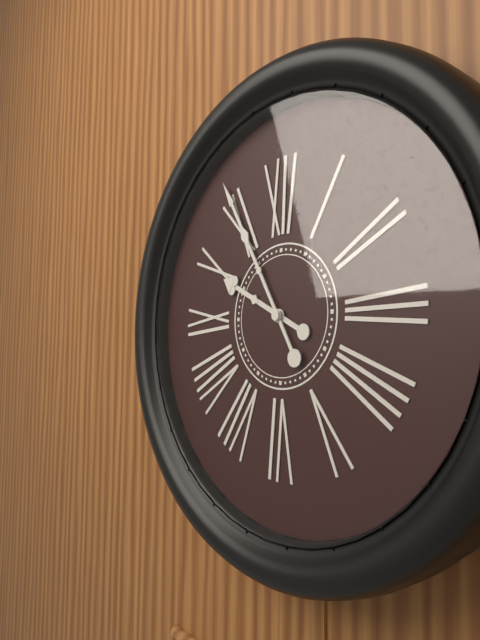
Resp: {"hour": 9, "minute": 55}
